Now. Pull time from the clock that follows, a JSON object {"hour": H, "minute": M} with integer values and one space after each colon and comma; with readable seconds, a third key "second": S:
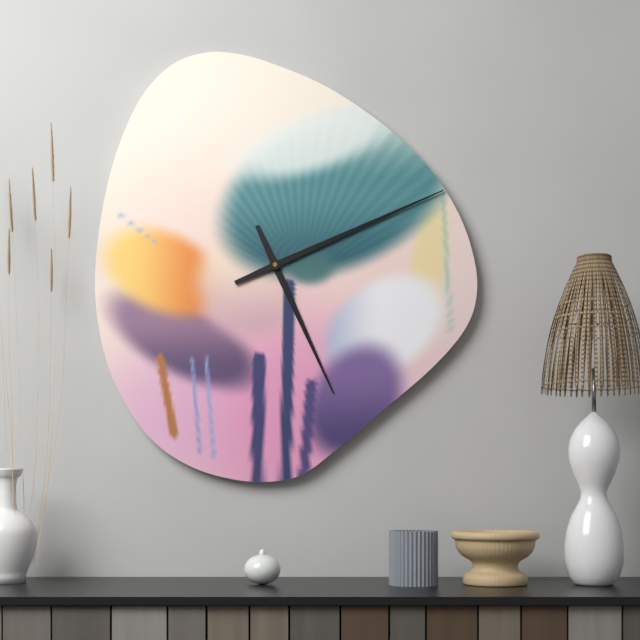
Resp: {"hour": 5, "minute": 11}
